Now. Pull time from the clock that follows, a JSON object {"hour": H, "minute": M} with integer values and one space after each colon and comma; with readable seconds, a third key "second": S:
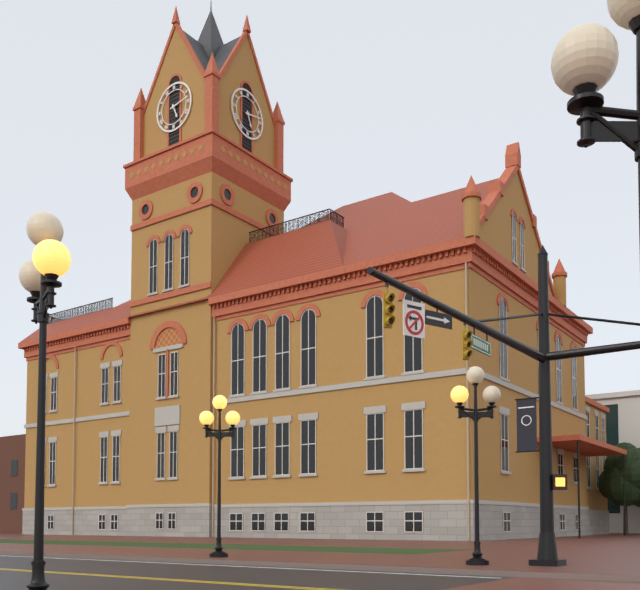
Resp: {"hour": 5, "minute": 13}
